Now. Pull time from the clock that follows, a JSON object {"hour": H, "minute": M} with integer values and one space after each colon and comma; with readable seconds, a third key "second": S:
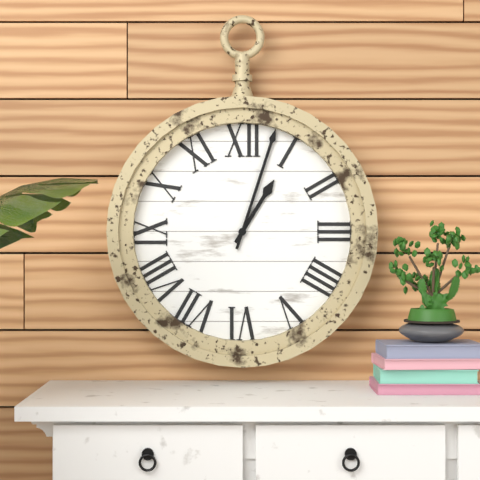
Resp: {"hour": 1, "minute": 3}
